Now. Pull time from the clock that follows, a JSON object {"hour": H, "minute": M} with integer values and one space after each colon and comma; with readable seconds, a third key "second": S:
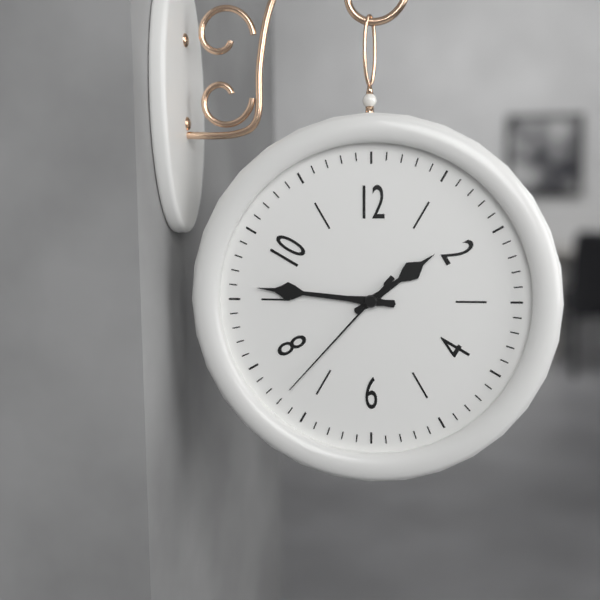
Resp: {"hour": 1, "minute": 46, "second": 37}
